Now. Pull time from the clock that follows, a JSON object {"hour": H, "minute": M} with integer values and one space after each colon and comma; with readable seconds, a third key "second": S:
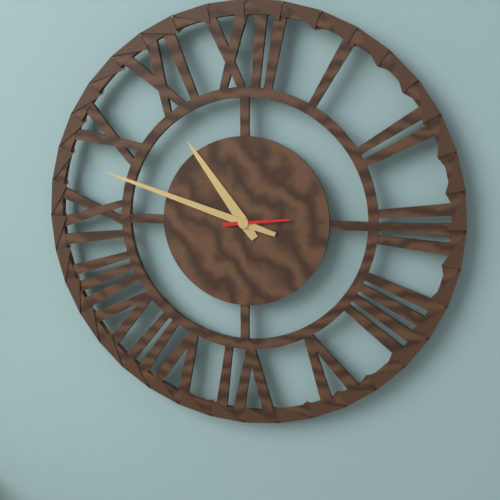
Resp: {"hour": 10, "minute": 48, "second": 14}
